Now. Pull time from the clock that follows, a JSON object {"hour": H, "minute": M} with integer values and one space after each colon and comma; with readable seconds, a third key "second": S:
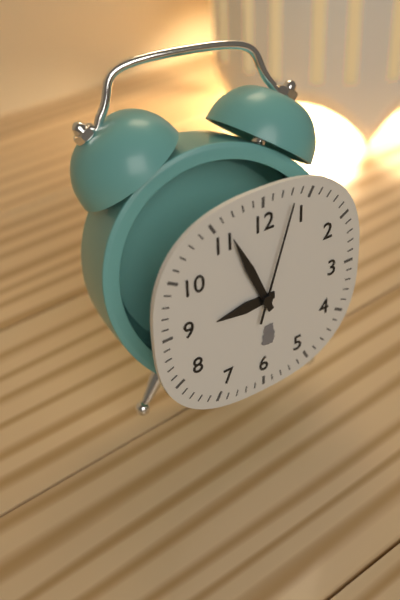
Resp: {"hour": 8, "minute": 56, "second": 3}
